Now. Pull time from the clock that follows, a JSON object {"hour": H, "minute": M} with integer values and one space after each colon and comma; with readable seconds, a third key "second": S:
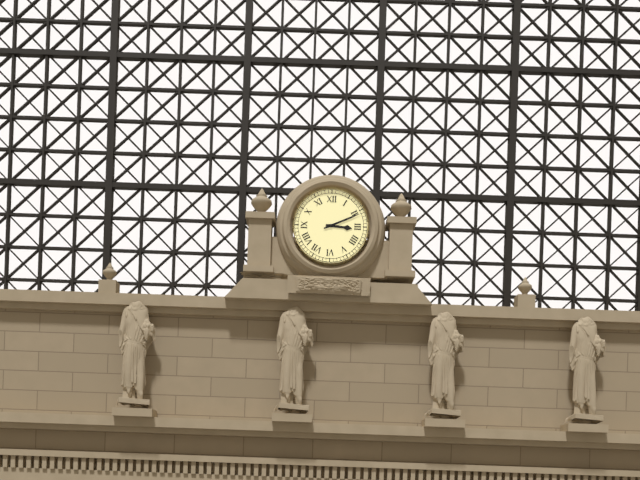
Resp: {"hour": 3, "minute": 11}
